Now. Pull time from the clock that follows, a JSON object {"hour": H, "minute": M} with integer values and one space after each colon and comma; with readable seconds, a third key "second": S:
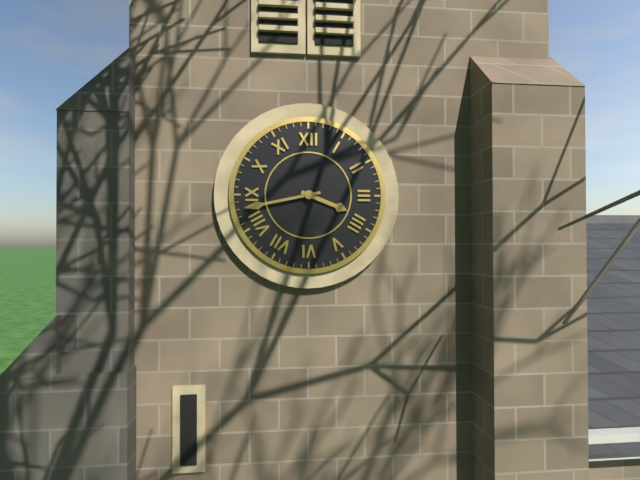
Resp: {"hour": 3, "minute": 43}
